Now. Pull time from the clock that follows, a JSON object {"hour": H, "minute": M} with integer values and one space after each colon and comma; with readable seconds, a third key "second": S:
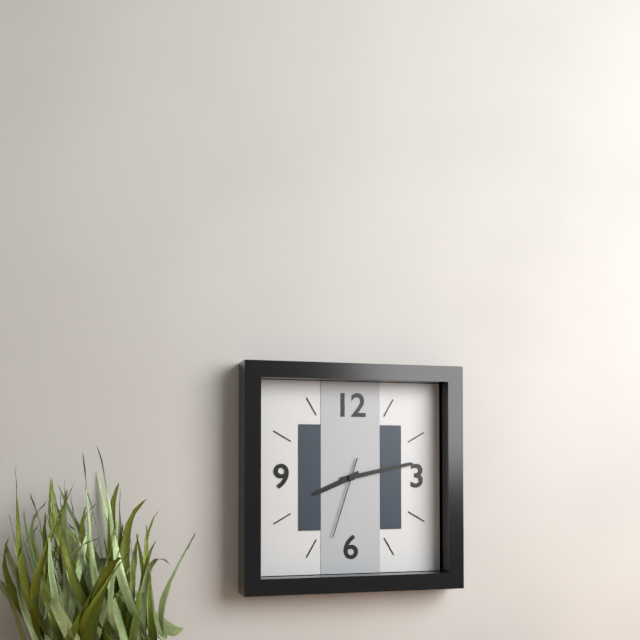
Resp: {"hour": 8, "minute": 13, "second": 33}
